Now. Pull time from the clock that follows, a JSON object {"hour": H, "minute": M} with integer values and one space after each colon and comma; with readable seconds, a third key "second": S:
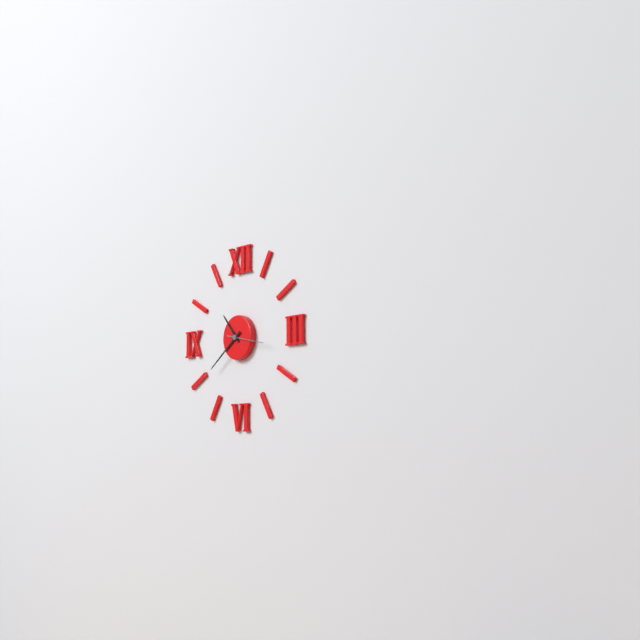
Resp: {"hour": 10, "minute": 39}
